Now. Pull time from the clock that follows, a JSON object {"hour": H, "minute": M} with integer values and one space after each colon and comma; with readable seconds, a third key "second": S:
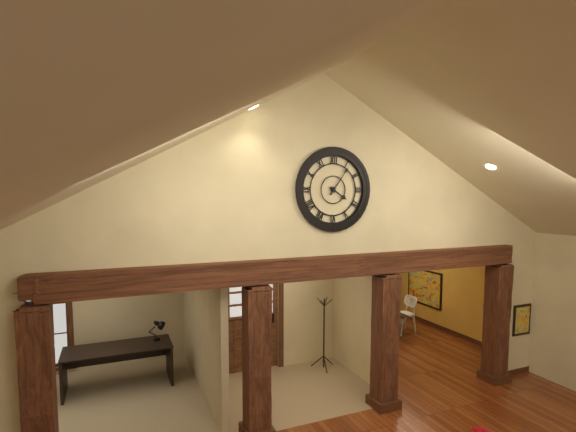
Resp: {"hour": 4, "minute": 6}
